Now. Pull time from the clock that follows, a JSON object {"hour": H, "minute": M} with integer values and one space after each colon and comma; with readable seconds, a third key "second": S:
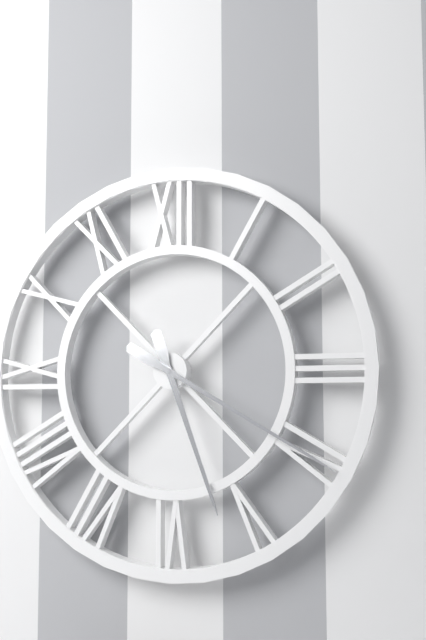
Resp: {"hour": 5, "minute": 20}
